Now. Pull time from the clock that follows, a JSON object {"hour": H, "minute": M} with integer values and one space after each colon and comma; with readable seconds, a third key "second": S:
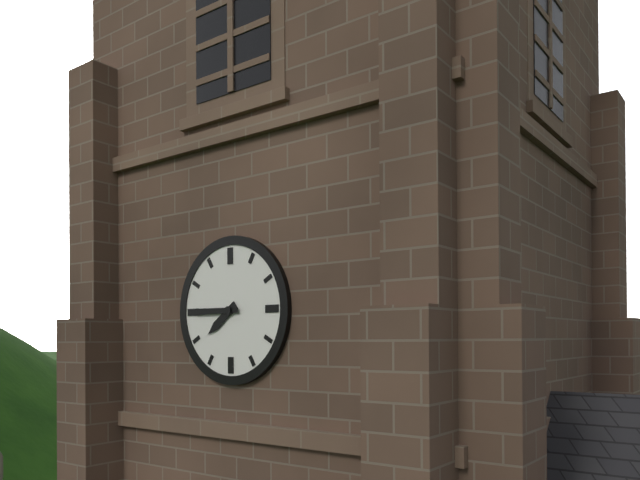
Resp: {"hour": 7, "minute": 45}
